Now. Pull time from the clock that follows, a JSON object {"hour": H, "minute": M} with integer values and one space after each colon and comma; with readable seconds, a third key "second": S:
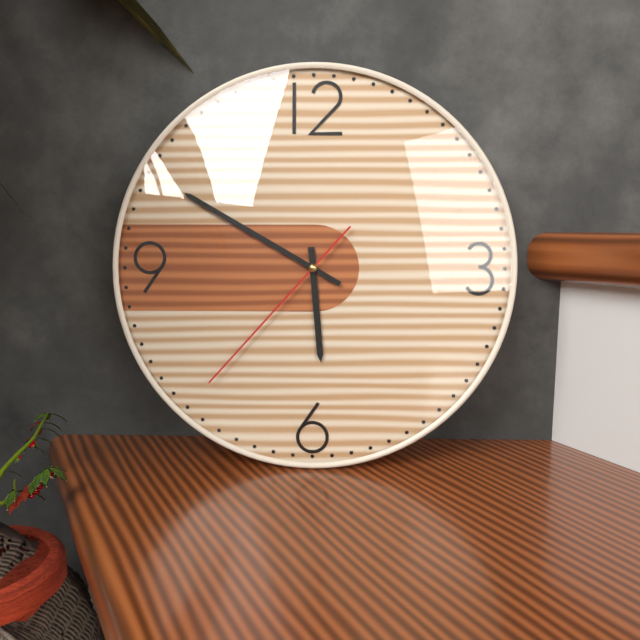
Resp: {"hour": 5, "minute": 50, "second": 37}
